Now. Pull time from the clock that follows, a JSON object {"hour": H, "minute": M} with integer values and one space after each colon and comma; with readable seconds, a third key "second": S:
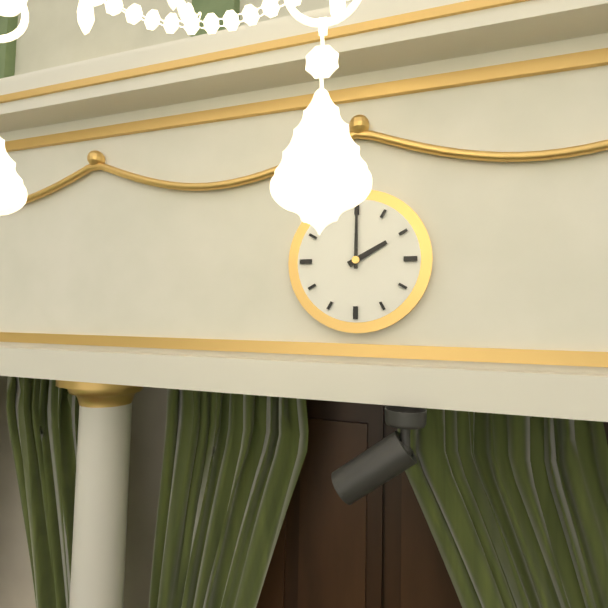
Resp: {"hour": 2, "minute": 0}
